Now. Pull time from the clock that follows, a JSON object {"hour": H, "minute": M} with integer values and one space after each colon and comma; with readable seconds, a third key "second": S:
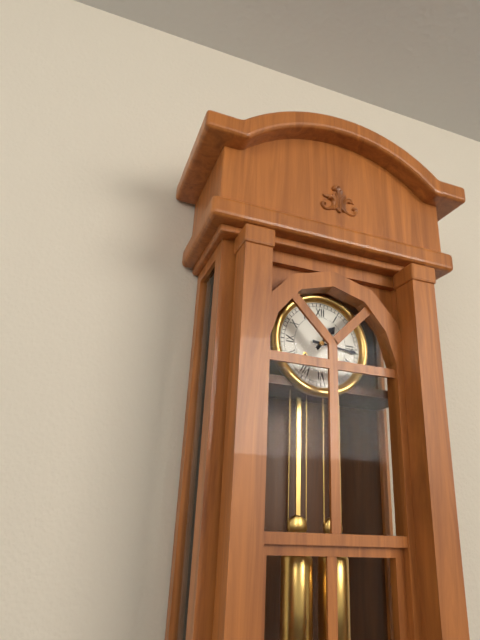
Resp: {"hour": 1, "minute": 16}
